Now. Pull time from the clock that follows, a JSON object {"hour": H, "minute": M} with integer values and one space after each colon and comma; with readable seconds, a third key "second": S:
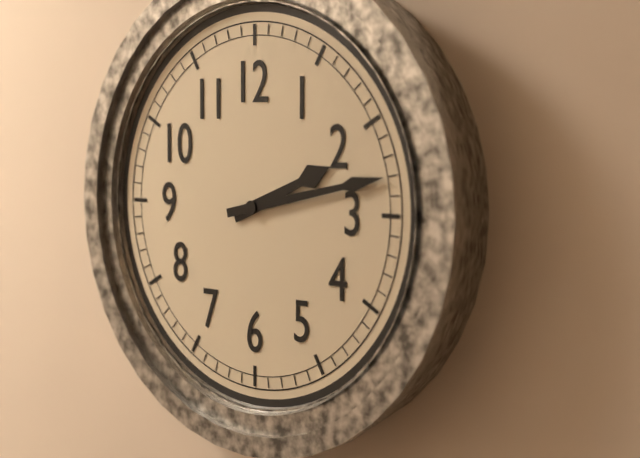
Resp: {"hour": 2, "minute": 13}
